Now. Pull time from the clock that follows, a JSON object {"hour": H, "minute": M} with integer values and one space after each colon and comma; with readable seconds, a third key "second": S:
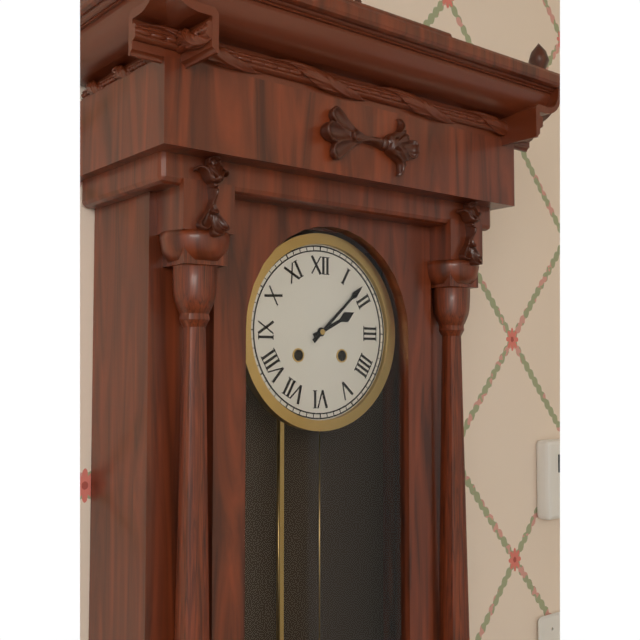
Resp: {"hour": 2, "minute": 8}
